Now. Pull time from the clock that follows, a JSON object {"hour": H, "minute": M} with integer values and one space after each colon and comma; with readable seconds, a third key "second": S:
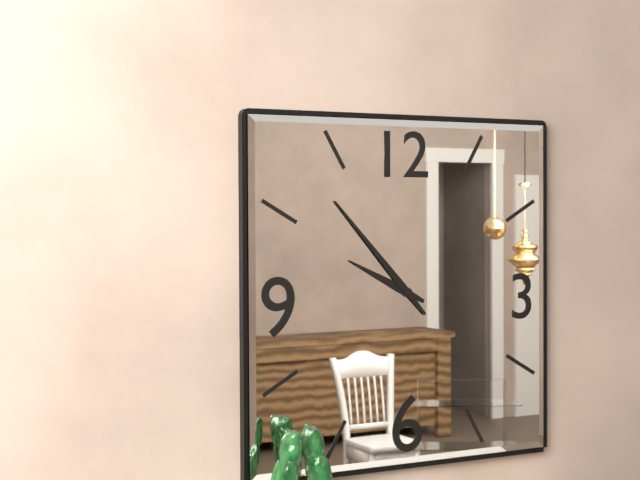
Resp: {"hour": 9, "minute": 53}
